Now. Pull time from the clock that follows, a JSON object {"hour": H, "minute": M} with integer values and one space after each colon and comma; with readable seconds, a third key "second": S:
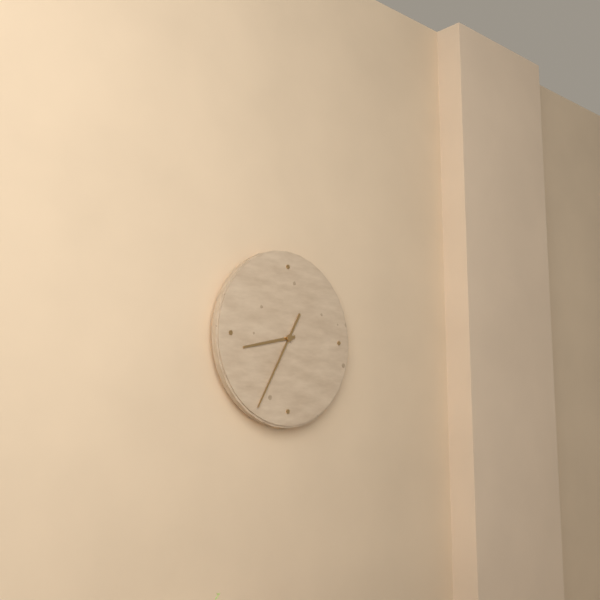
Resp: {"hour": 8, "minute": 35}
